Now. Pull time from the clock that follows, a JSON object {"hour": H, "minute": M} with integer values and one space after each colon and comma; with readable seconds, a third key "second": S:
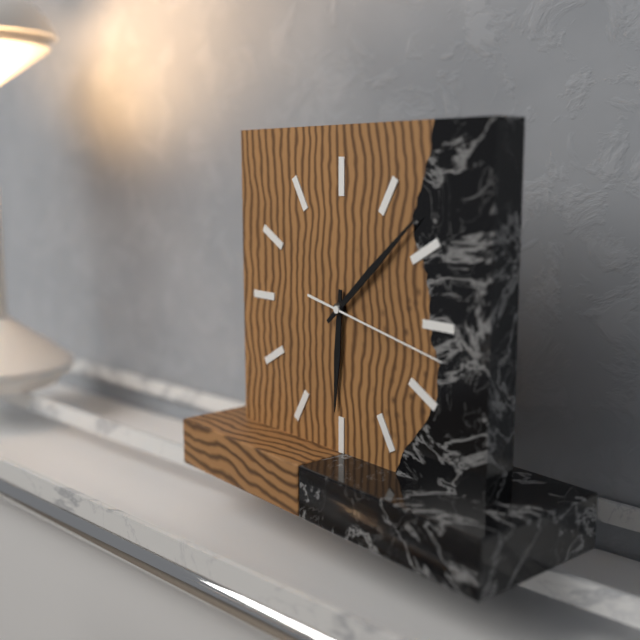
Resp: {"hour": 6, "minute": 8, "second": 17}
